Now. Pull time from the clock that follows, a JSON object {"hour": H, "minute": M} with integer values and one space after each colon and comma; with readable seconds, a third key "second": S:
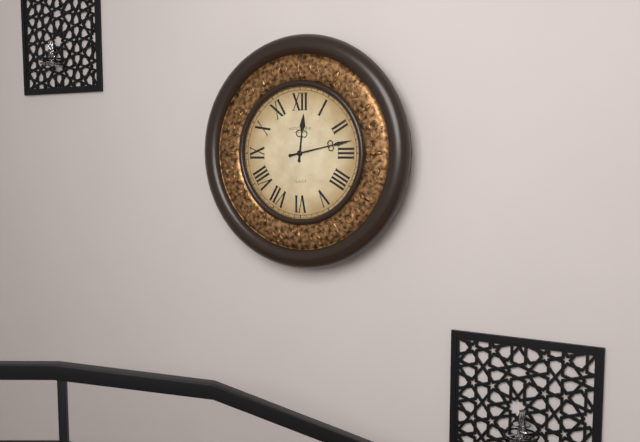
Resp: {"hour": 12, "minute": 13}
